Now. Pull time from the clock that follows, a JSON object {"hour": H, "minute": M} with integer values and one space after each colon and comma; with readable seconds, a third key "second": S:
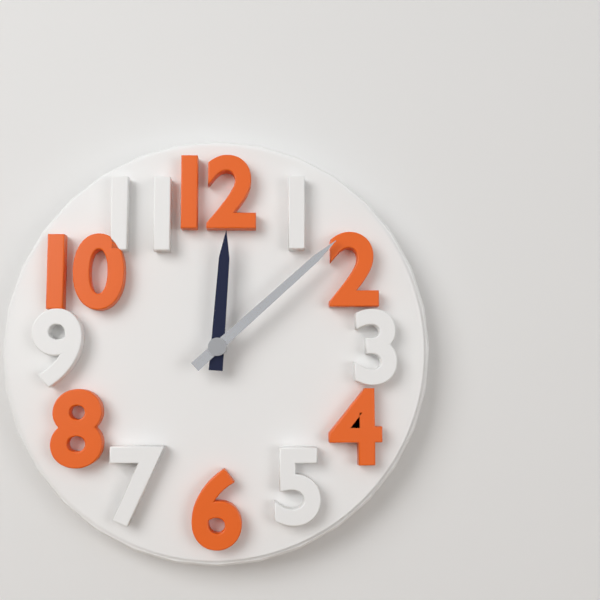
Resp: {"hour": 12, "minute": 8}
